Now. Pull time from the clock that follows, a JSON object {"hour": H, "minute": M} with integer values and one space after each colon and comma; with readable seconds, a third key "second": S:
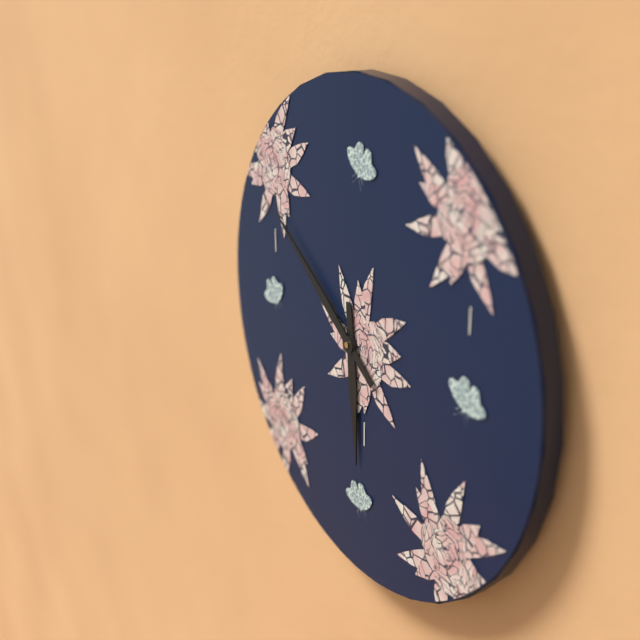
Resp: {"hour": 5, "minute": 51}
